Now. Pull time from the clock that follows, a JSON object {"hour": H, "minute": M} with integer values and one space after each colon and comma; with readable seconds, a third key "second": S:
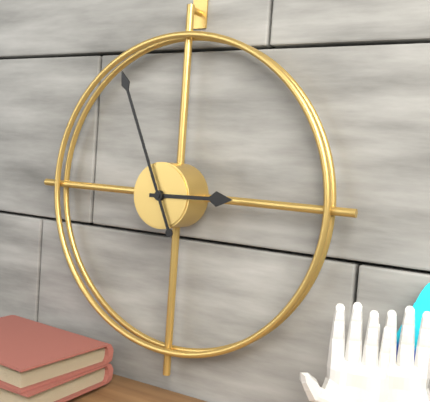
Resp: {"hour": 2, "minute": 56}
